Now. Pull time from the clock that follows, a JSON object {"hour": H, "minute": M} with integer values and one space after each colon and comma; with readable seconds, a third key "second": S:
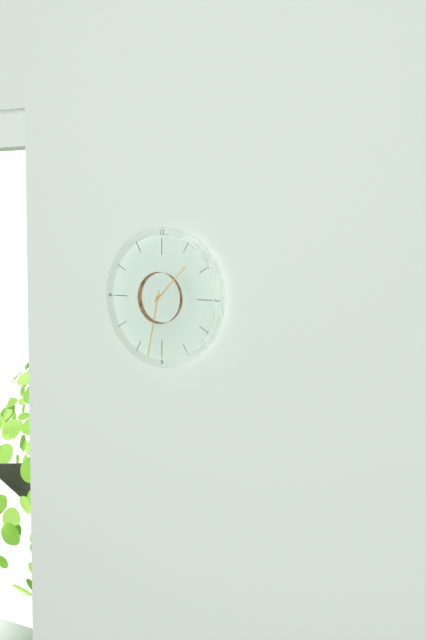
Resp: {"hour": 1, "minute": 32}
